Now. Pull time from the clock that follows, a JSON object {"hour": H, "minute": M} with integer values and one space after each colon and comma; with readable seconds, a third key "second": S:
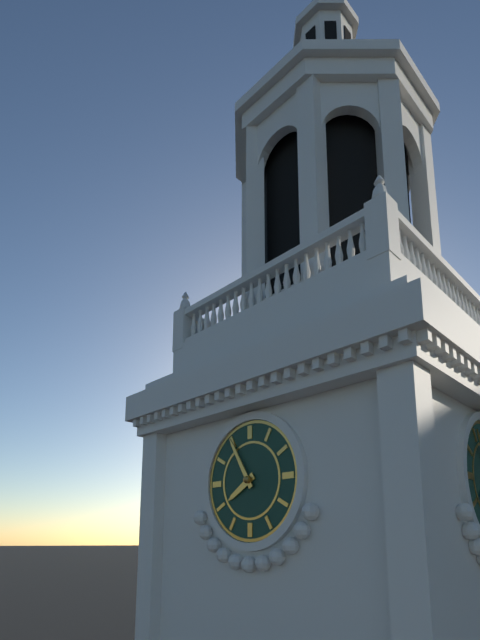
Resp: {"hour": 7, "minute": 55}
